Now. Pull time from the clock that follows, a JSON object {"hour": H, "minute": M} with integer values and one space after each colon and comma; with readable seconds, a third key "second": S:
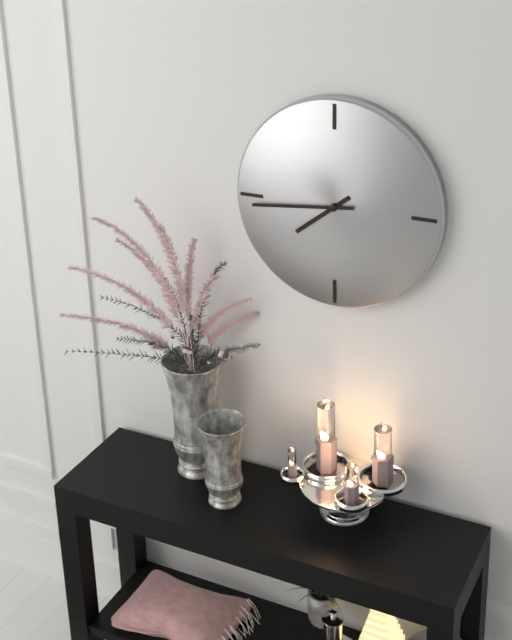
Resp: {"hour": 7, "minute": 44}
